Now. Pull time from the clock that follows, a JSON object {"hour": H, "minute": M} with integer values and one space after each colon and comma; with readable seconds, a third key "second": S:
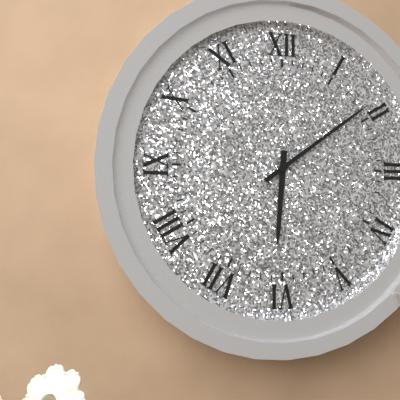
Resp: {"hour": 6, "minute": 9}
